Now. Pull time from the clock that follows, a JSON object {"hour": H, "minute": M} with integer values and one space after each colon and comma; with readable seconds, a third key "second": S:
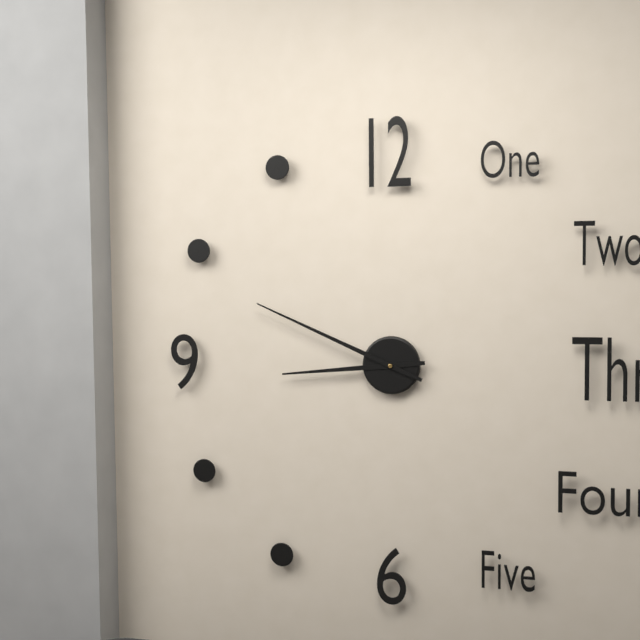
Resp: {"hour": 8, "minute": 49}
